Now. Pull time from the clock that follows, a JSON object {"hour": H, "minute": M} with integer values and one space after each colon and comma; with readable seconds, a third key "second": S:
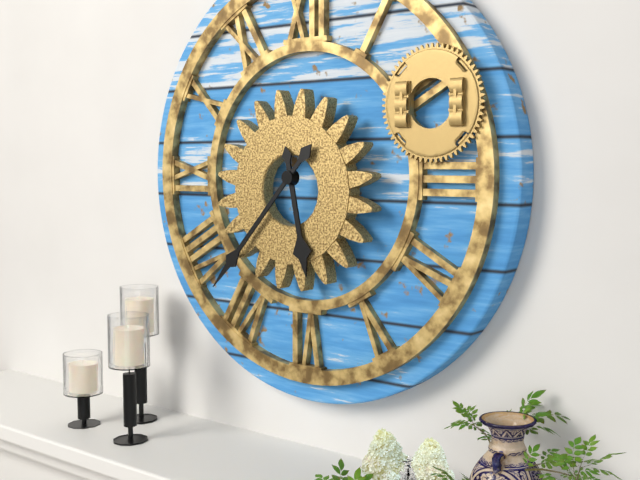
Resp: {"hour": 5, "minute": 37}
